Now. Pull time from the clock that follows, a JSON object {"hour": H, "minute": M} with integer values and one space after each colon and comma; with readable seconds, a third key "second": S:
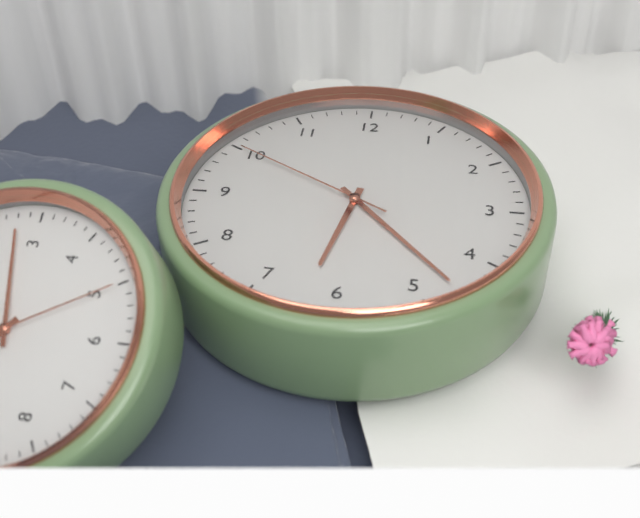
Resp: {"hour": 6, "minute": 23, "second": 50}
